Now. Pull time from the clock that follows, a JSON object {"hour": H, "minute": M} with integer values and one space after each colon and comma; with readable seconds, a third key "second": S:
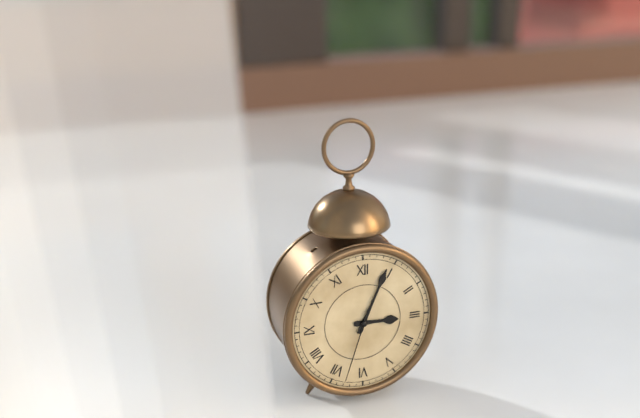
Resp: {"hour": 3, "minute": 4, "second": 33}
